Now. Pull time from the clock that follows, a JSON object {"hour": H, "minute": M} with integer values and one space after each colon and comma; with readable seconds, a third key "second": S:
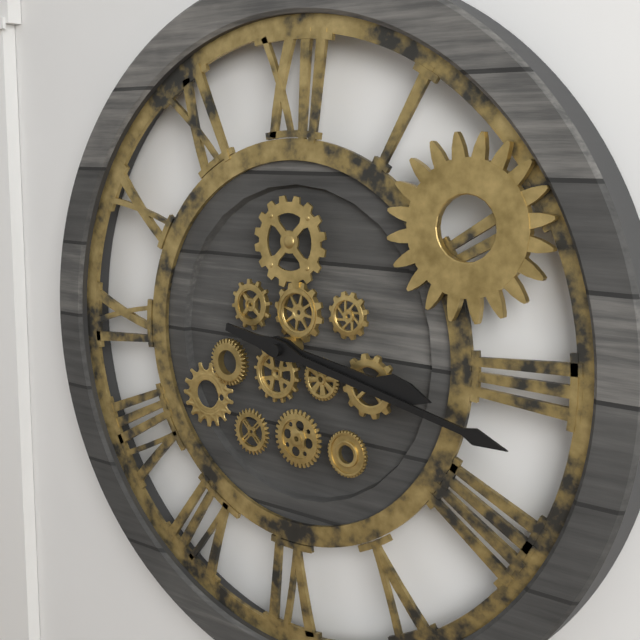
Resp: {"hour": 3, "minute": 17}
